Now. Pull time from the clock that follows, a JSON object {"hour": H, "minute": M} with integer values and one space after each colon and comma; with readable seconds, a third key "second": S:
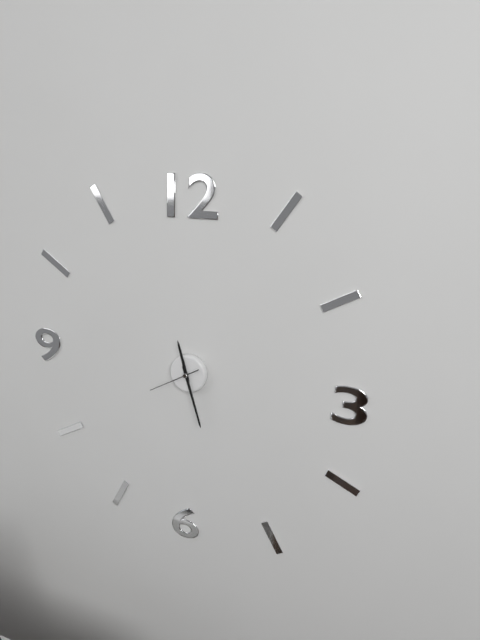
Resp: {"hour": 11, "minute": 27}
